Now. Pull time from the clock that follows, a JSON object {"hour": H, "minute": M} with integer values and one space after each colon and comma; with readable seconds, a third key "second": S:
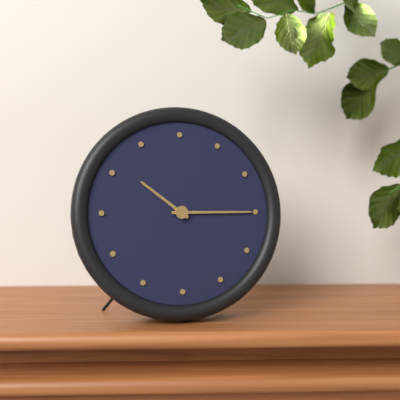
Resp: {"hour": 10, "minute": 15}
